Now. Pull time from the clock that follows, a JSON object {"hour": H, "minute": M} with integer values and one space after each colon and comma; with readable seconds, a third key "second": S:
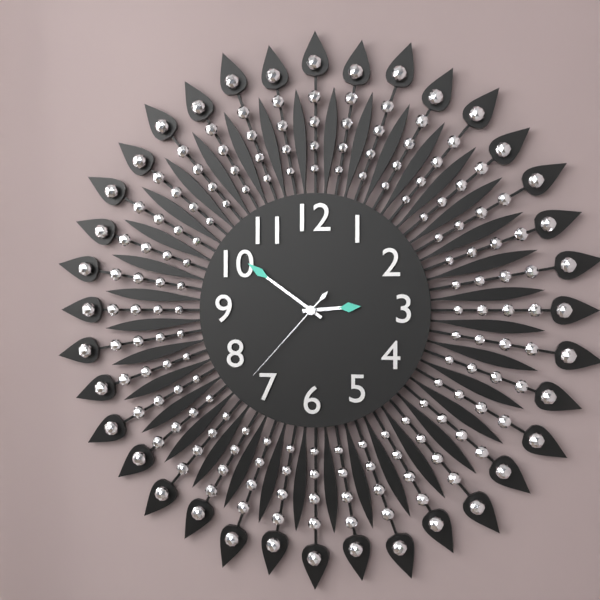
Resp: {"hour": 2, "minute": 51, "second": 37}
